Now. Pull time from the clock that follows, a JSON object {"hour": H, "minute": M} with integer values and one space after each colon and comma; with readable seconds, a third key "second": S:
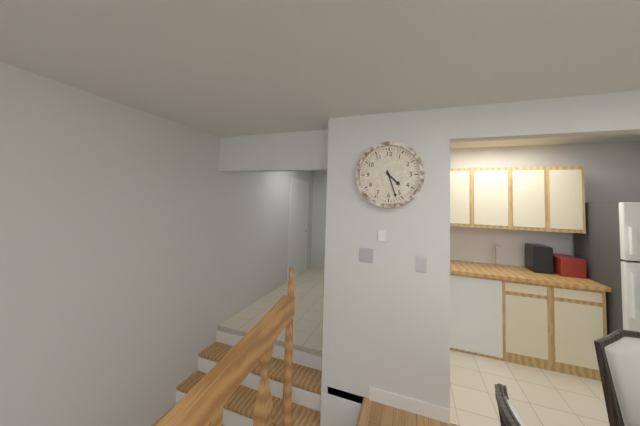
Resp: {"hour": 4, "minute": 27}
